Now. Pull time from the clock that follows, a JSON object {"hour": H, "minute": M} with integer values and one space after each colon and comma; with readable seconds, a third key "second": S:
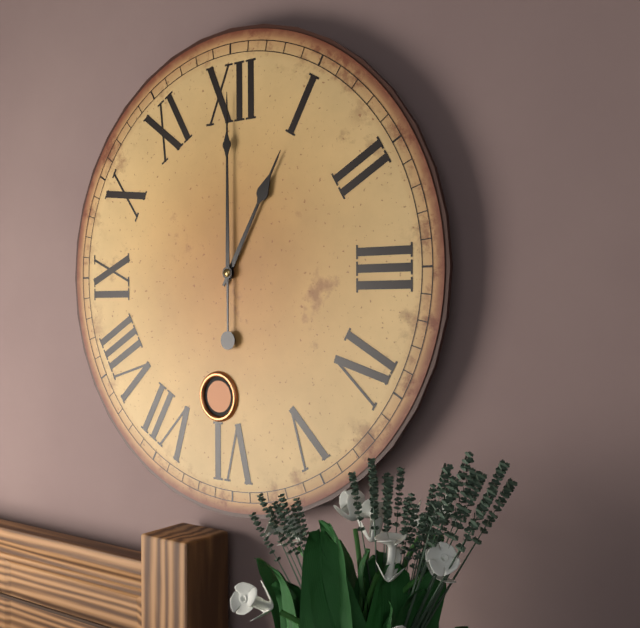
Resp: {"hour": 1, "minute": 0}
